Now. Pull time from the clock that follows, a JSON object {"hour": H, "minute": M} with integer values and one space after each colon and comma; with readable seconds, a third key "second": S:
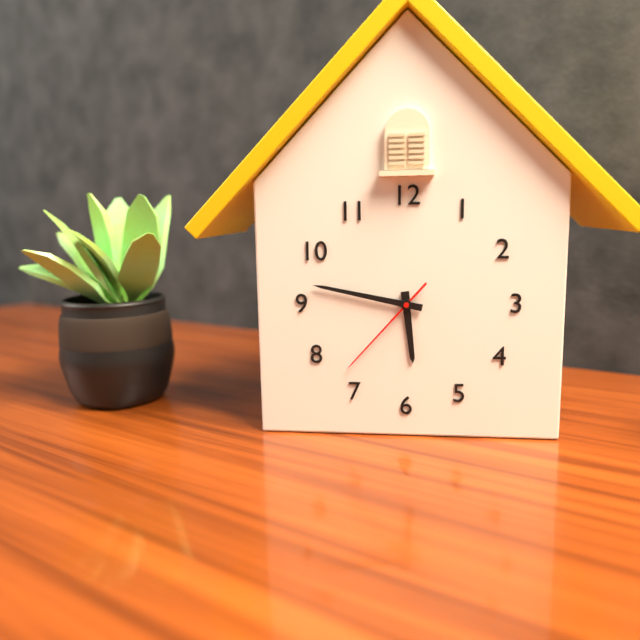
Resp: {"hour": 5, "minute": 47, "second": 37}
